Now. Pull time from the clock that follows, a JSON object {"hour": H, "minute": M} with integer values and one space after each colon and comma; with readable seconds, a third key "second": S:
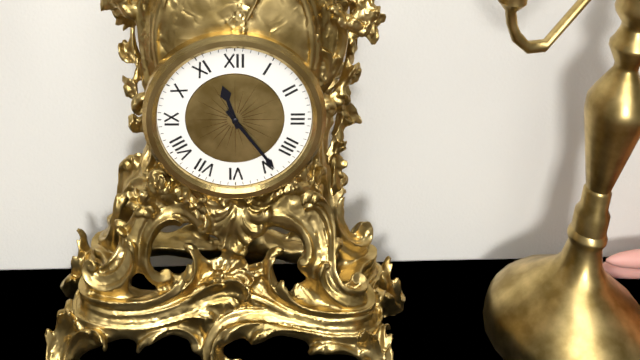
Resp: {"hour": 11, "minute": 24}
